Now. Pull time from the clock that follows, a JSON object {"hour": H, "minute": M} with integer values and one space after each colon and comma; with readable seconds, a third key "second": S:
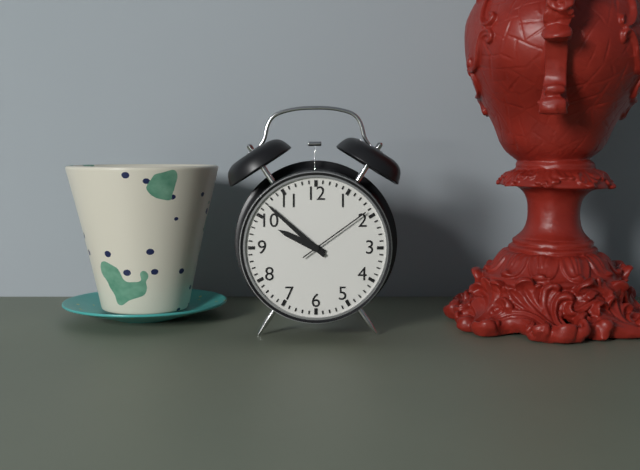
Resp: {"hour": 9, "minute": 52, "second": 9}
